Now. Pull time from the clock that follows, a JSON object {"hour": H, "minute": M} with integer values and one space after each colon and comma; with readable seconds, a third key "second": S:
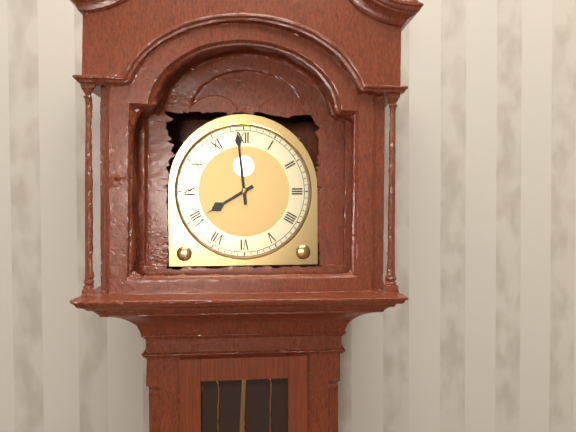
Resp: {"hour": 7, "minute": 59}
